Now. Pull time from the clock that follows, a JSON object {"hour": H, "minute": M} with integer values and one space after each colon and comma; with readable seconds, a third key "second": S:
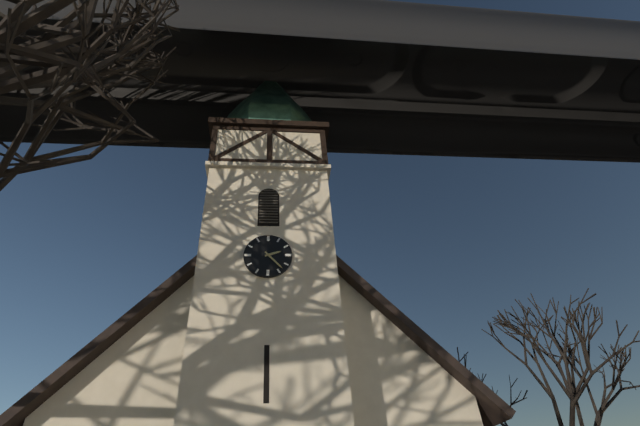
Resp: {"hour": 2, "minute": 23}
